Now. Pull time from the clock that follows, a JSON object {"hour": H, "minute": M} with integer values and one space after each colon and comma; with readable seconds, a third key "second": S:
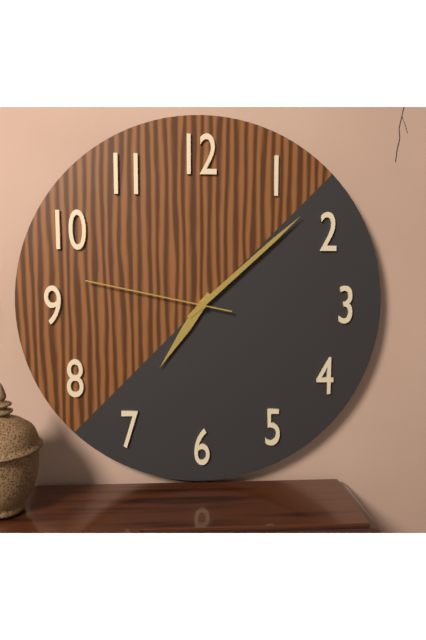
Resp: {"hour": 7, "minute": 8, "second": 47}
